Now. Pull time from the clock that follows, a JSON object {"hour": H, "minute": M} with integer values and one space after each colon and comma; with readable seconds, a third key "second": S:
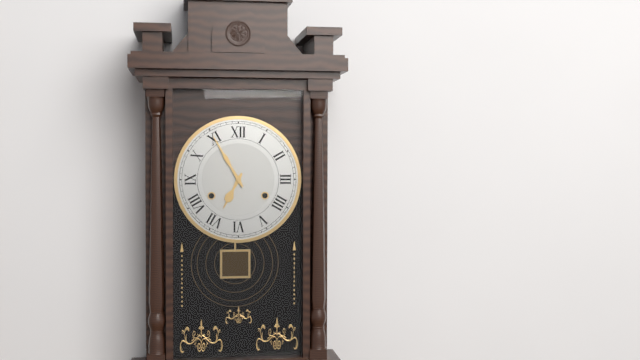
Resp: {"hour": 6, "minute": 55}
